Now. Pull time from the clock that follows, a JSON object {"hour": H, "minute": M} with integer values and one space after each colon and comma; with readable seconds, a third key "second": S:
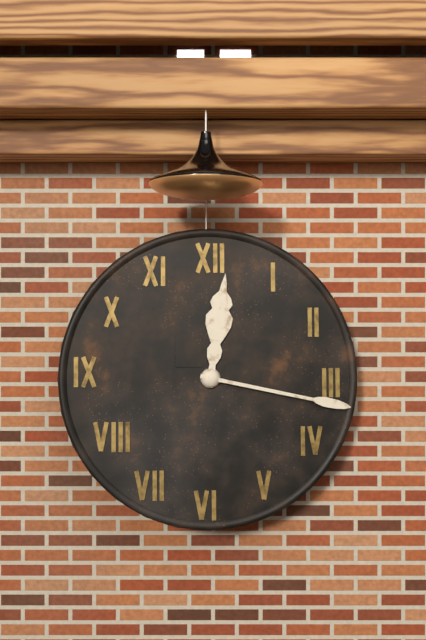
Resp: {"hour": 12, "minute": 17}
